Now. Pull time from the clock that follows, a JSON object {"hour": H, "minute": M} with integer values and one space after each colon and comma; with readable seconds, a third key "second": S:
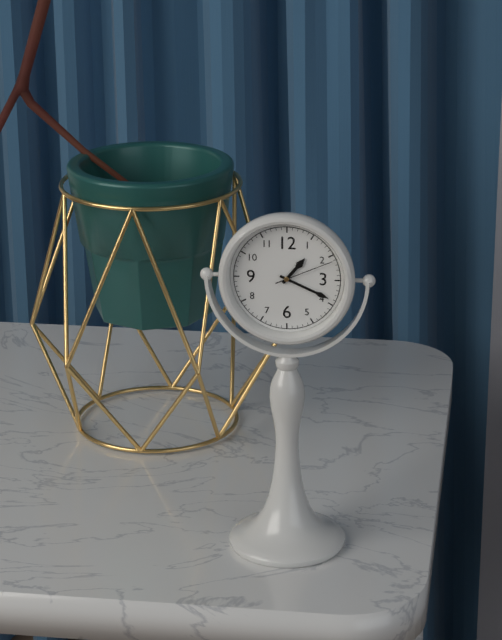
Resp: {"hour": 1, "minute": 19, "second": 11}
